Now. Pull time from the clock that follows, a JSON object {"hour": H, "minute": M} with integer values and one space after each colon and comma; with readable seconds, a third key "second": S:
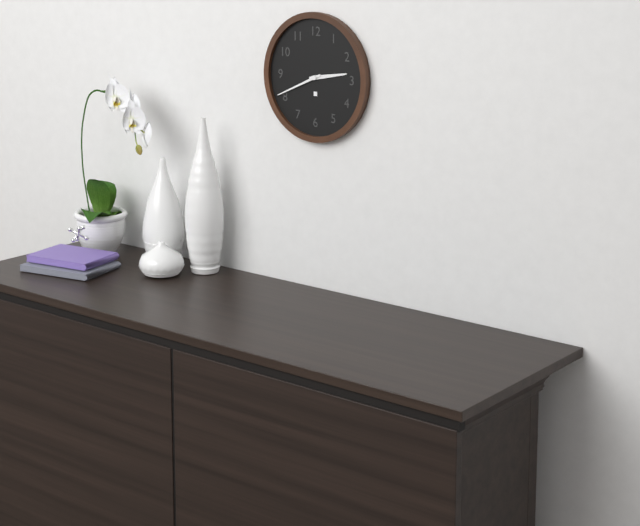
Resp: {"hour": 2, "minute": 41}
